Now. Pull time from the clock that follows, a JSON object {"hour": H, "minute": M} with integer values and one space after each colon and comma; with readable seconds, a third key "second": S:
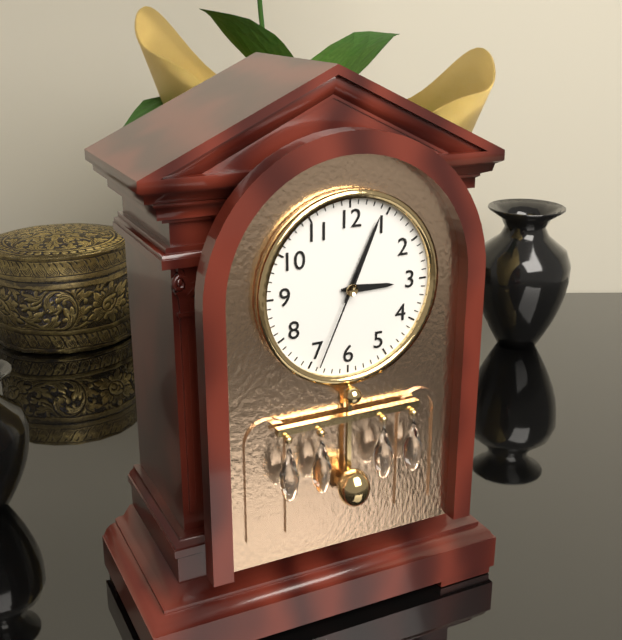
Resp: {"hour": 3, "minute": 4, "second": 34}
